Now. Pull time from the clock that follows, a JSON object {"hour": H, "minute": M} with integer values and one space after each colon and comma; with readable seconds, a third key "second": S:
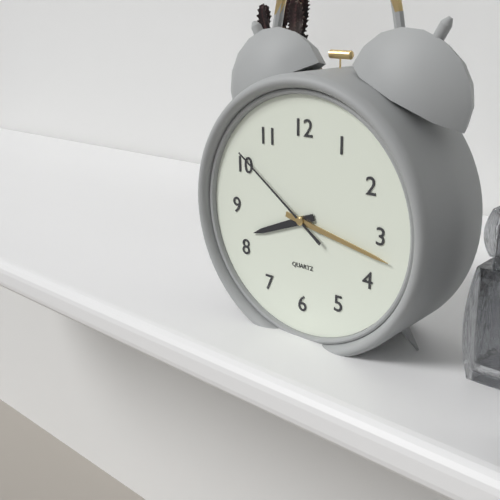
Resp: {"hour": 8, "minute": 17, "second": 51}
